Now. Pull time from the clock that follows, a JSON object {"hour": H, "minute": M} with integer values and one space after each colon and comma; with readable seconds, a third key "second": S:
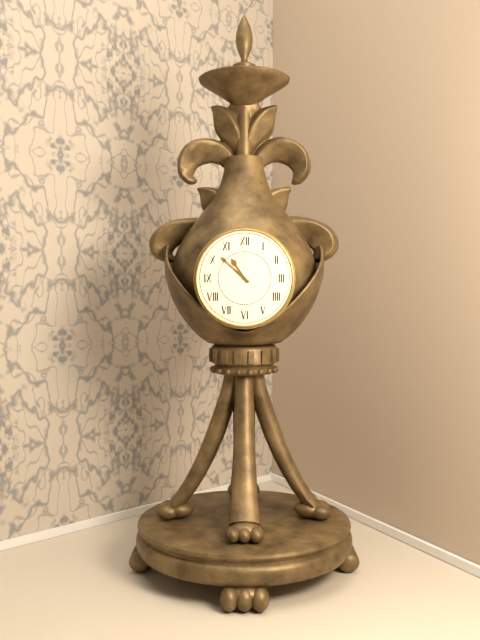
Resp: {"hour": 10, "minute": 52}
